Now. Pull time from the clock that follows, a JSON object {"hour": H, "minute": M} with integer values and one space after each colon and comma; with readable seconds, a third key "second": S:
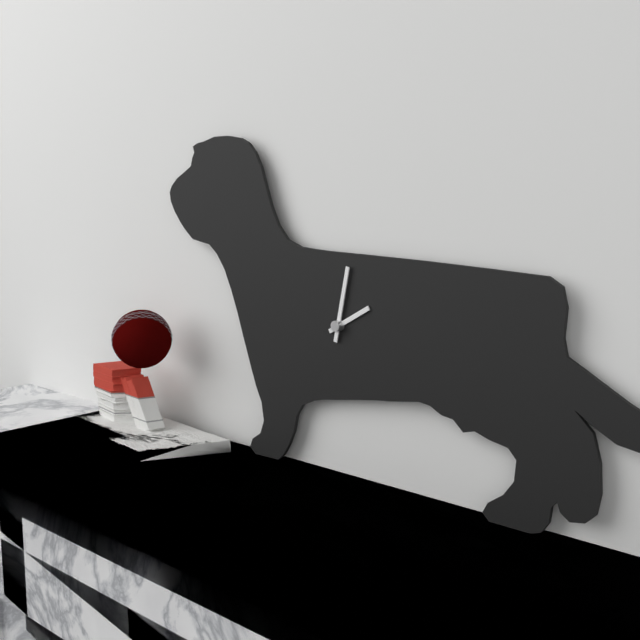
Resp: {"hour": 2, "minute": 2}
